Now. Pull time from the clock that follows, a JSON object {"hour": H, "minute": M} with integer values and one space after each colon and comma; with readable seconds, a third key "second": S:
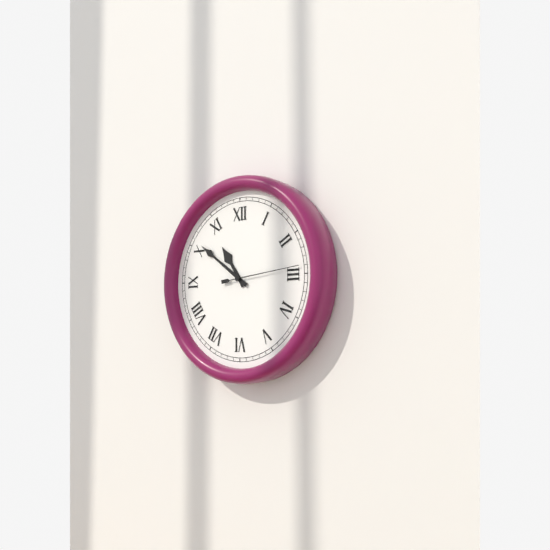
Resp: {"hour": 10, "minute": 51, "second": 14}
